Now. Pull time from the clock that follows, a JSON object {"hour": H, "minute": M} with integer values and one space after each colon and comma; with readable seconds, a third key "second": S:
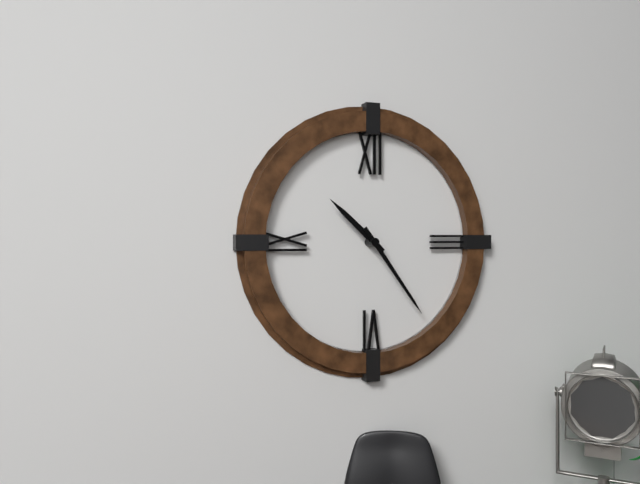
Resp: {"hour": 10, "minute": 24}
